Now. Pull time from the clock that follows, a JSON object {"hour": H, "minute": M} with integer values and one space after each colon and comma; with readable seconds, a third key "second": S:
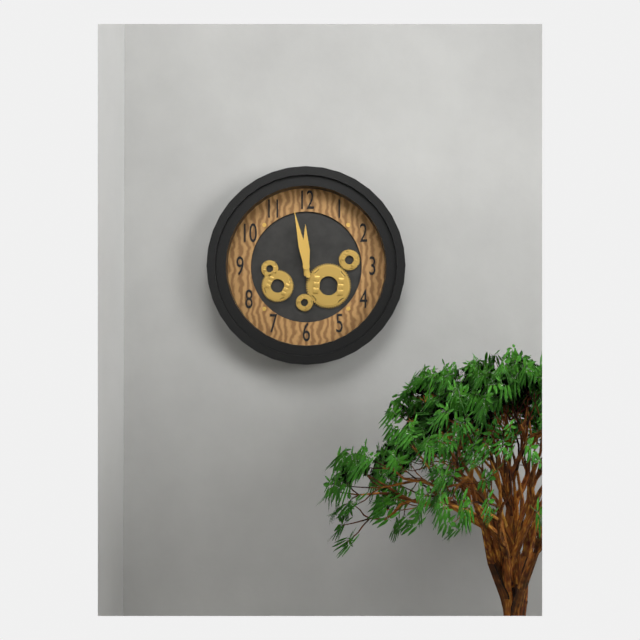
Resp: {"hour": 11, "minute": 58}
